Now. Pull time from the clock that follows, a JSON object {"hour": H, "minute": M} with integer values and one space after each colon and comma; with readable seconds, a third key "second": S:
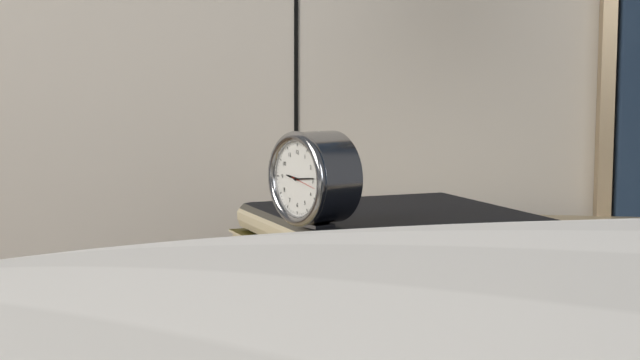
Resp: {"hour": 9, "minute": 14}
